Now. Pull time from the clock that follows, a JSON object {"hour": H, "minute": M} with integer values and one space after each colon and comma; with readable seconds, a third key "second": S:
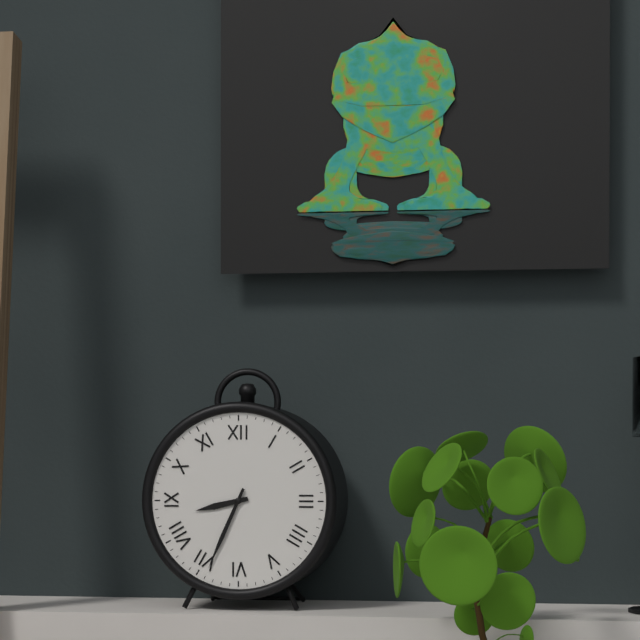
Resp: {"hour": 8, "minute": 34}
